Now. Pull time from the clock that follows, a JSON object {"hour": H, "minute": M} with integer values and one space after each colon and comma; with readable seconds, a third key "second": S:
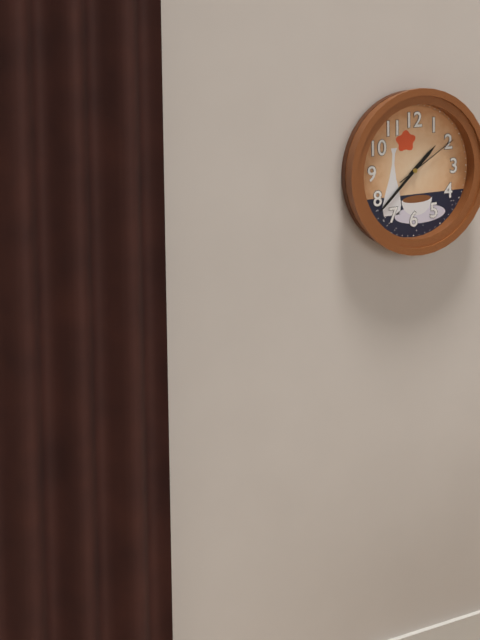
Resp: {"hour": 1, "minute": 38, "second": 10}
